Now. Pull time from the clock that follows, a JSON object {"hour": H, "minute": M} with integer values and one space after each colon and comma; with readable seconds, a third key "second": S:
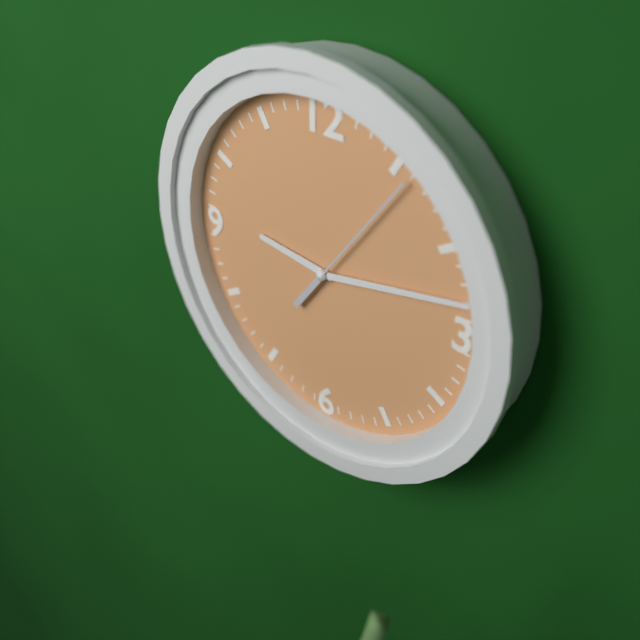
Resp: {"hour": 9, "minute": 13, "second": 6}
